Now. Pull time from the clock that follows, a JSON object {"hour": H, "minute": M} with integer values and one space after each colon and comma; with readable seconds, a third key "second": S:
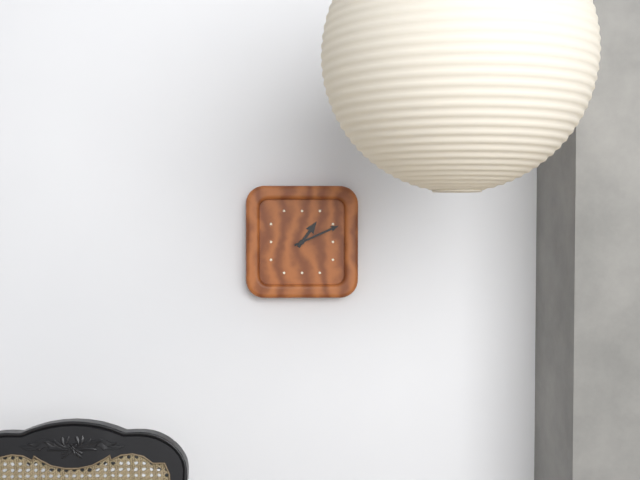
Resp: {"hour": 1, "minute": 11}
